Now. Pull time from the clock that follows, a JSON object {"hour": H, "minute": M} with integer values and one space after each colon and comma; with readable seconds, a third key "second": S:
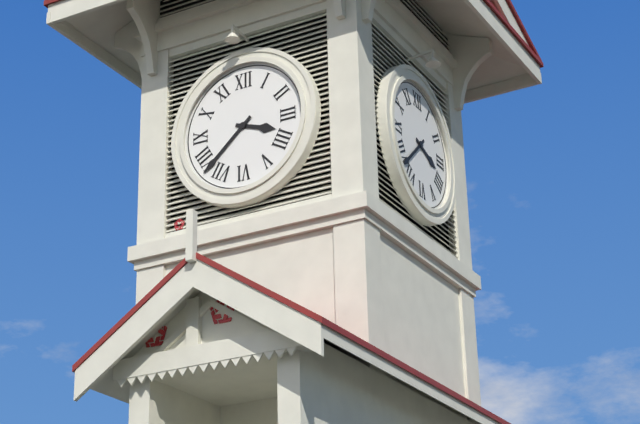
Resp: {"hour": 3, "minute": 38}
